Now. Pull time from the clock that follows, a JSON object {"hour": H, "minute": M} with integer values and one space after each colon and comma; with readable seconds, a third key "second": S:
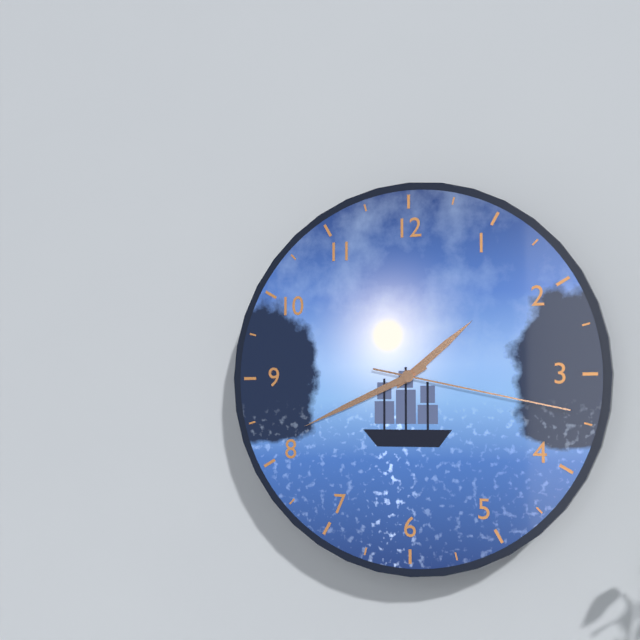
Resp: {"hour": 1, "minute": 41, "second": 17}
